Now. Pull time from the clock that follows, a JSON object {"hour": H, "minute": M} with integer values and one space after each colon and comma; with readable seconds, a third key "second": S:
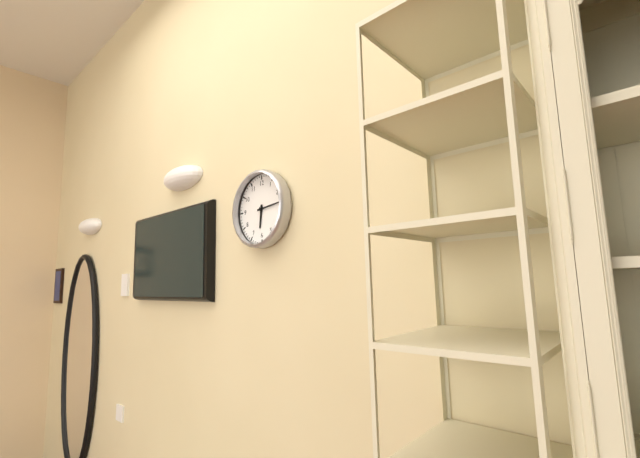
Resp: {"hour": 6, "minute": 14}
